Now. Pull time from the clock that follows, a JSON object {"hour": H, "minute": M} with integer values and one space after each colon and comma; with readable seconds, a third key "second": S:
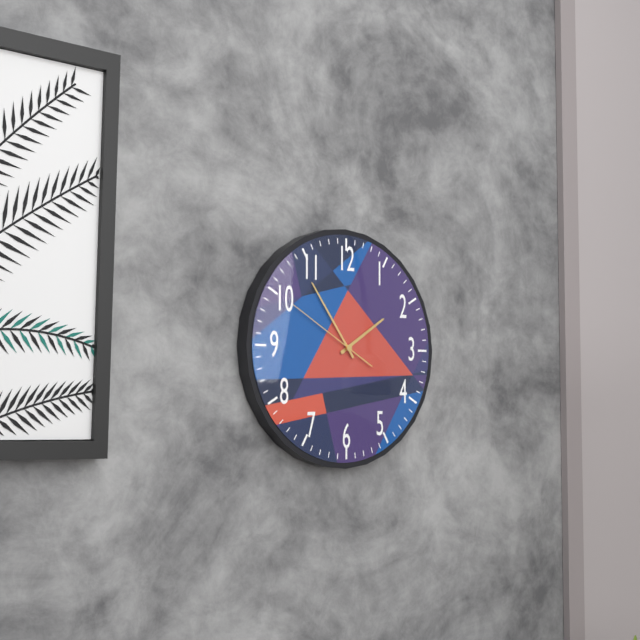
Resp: {"hour": 1, "minute": 54, "second": 50}
